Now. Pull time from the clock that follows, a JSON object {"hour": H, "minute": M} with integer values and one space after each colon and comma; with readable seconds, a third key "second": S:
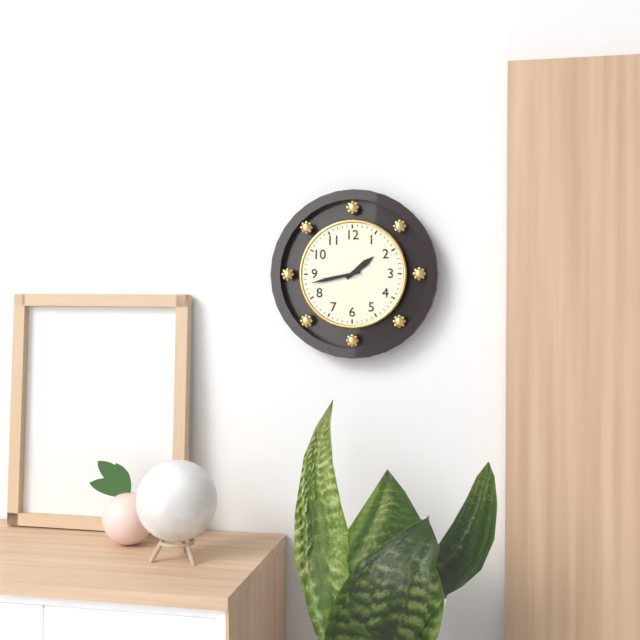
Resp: {"hour": 1, "minute": 43}
